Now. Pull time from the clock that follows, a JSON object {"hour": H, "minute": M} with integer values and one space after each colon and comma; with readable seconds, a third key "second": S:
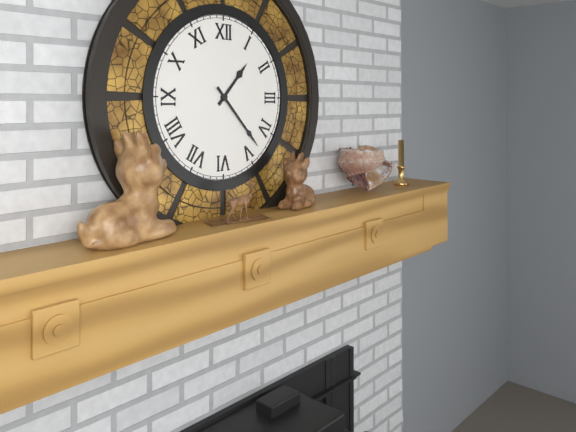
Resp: {"hour": 1, "minute": 23}
